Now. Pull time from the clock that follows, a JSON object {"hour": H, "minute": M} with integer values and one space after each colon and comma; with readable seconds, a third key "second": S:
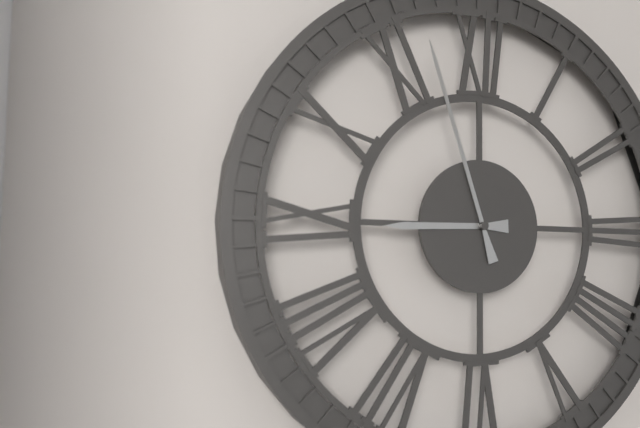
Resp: {"hour": 8, "minute": 57}
